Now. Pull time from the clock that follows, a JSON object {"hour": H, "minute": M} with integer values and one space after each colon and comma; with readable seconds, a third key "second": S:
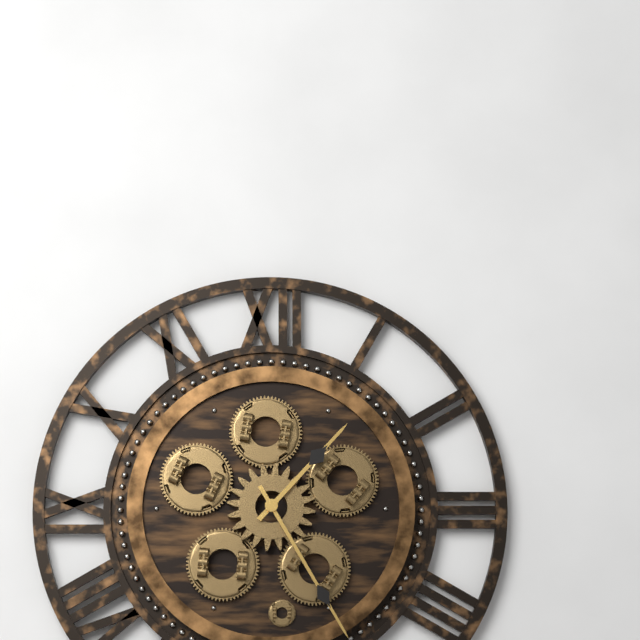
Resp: {"hour": 1, "minute": 25}
